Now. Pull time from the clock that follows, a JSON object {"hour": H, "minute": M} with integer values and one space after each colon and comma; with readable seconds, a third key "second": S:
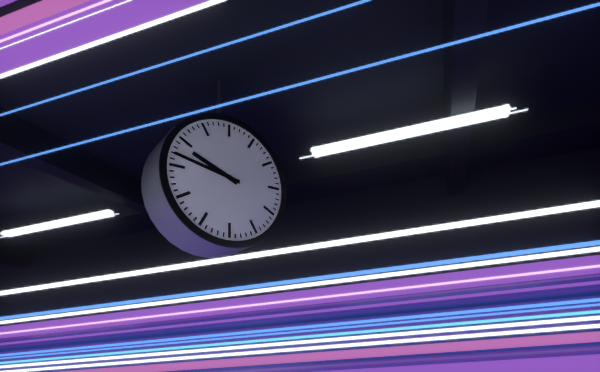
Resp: {"hour": 9, "minute": 47}
